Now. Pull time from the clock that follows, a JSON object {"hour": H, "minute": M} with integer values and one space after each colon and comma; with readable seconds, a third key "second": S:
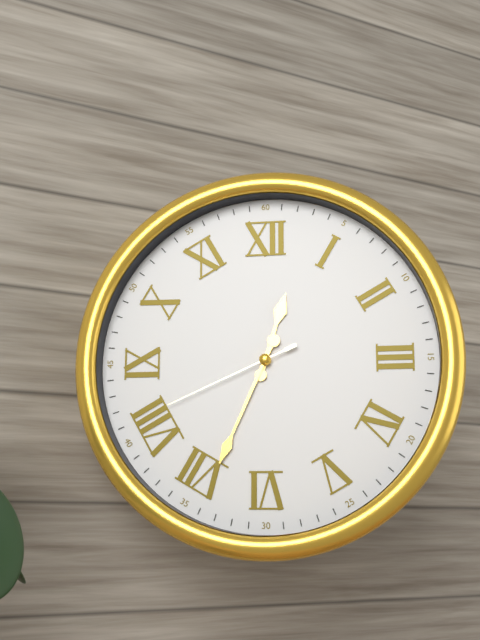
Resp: {"hour": 12, "minute": 34, "second": 41}
